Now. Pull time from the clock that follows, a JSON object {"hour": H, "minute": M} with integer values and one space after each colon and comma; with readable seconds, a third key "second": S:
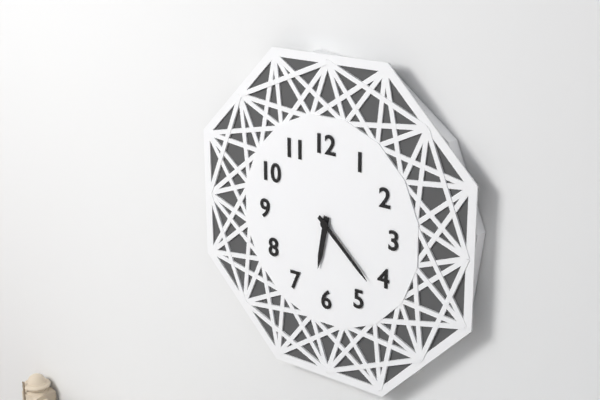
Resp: {"hour": 6, "minute": 22}
